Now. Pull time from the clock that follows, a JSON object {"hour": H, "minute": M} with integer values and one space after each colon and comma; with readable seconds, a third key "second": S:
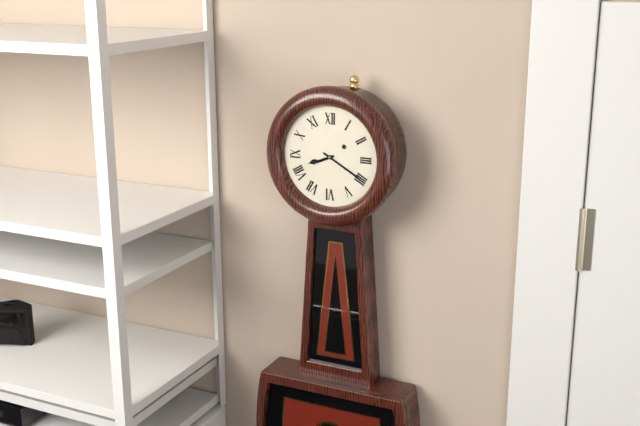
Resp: {"hour": 8, "minute": 20}
